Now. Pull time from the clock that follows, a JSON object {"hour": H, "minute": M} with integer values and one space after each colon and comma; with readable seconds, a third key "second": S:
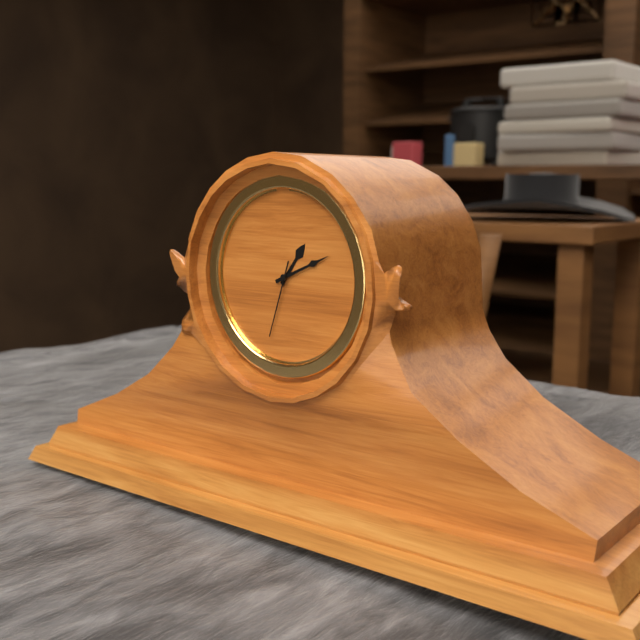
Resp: {"hour": 1, "minute": 11, "second": 33}
